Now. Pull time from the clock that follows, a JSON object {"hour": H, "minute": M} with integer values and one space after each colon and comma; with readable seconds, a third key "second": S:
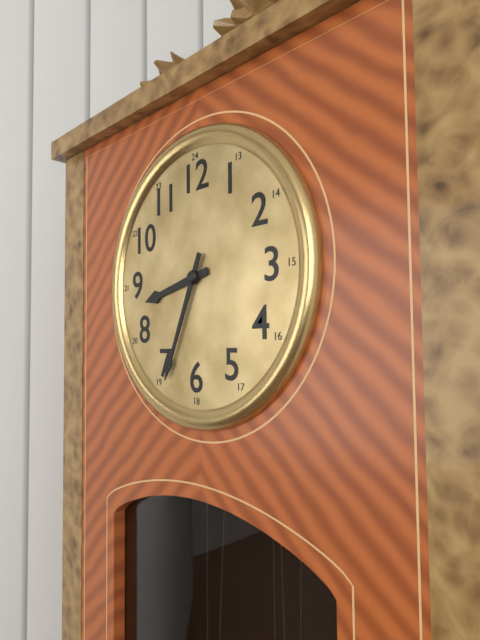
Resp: {"hour": 8, "minute": 34}
